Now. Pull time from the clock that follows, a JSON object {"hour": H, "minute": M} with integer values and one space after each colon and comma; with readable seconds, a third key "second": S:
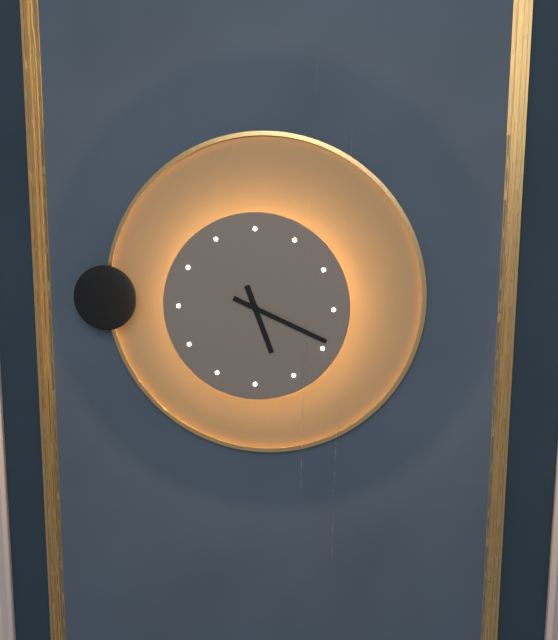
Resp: {"hour": 5, "minute": 19}
